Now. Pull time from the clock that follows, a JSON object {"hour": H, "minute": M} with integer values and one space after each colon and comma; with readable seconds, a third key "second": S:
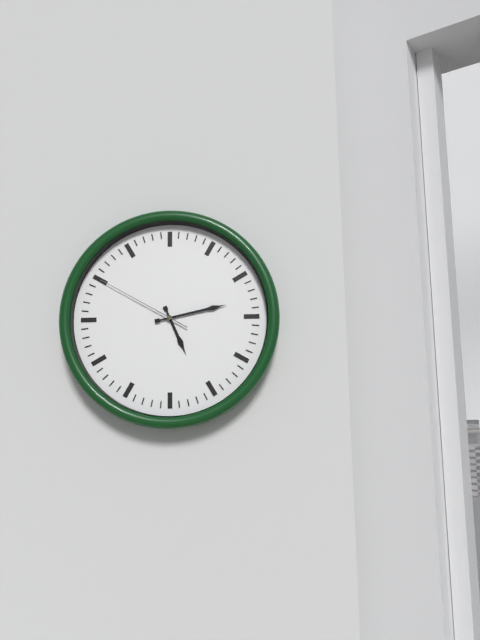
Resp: {"hour": 5, "minute": 13, "second": 50}
